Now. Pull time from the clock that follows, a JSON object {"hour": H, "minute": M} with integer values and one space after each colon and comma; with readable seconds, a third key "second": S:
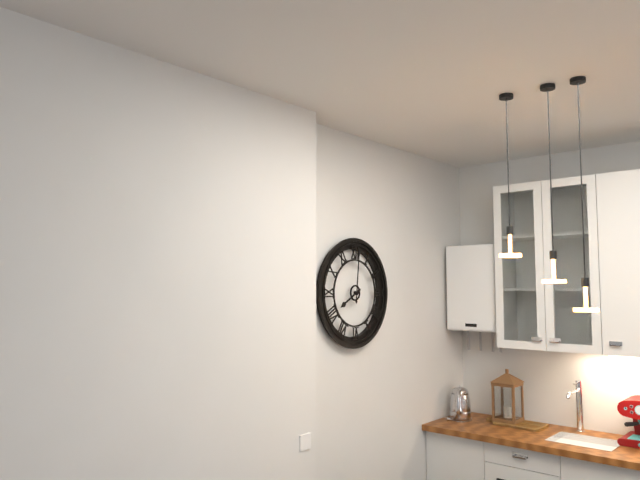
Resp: {"hour": 8, "minute": 1}
